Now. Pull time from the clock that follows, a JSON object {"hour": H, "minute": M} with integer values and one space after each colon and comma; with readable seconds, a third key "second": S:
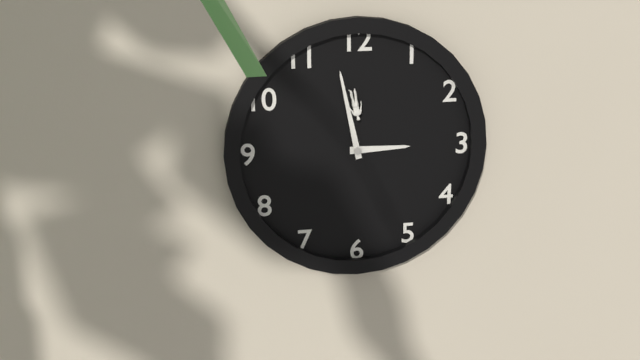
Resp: {"hour": 2, "minute": 58}
